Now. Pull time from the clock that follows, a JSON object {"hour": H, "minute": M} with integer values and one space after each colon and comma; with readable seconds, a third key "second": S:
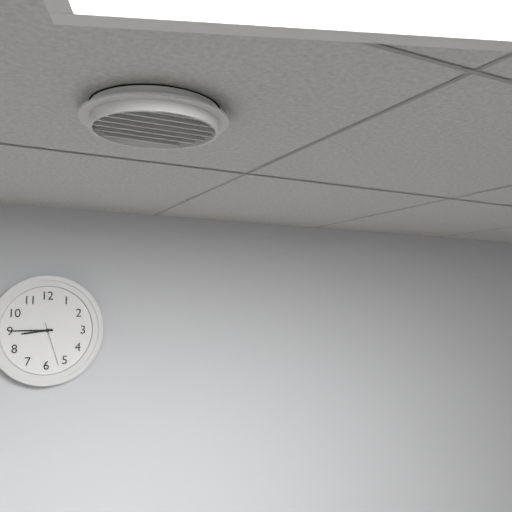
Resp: {"hour": 8, "minute": 45}
